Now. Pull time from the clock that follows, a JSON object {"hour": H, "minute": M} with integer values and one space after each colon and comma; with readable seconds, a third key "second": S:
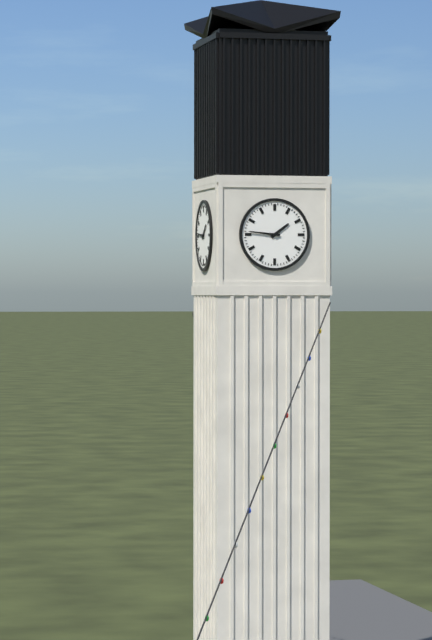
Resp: {"hour": 1, "minute": 46}
